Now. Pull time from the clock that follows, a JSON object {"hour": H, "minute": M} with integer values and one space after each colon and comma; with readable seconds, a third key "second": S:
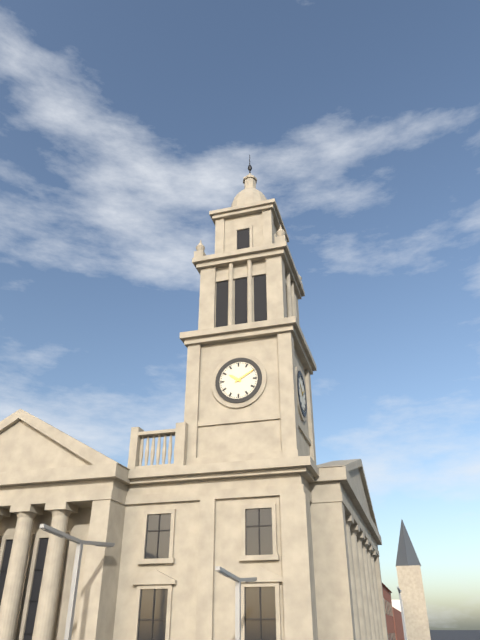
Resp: {"hour": 10, "minute": 10}
